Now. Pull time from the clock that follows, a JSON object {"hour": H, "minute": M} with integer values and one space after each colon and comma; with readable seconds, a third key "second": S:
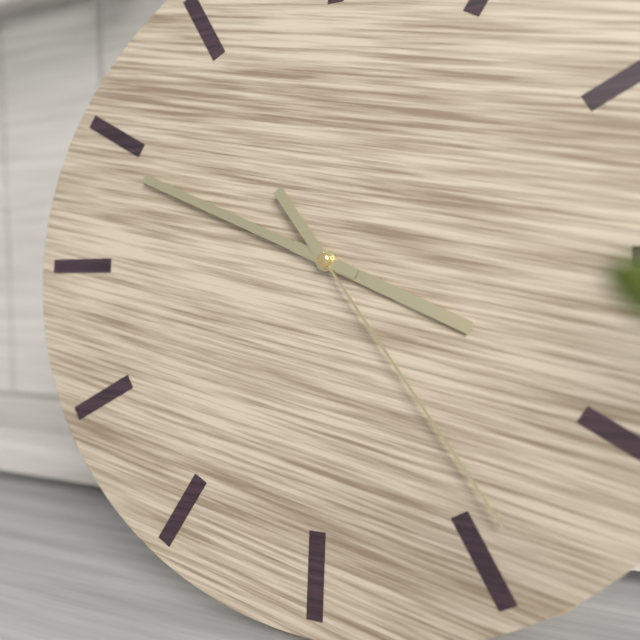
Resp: {"hour": 3, "minute": 49, "second": 24}
